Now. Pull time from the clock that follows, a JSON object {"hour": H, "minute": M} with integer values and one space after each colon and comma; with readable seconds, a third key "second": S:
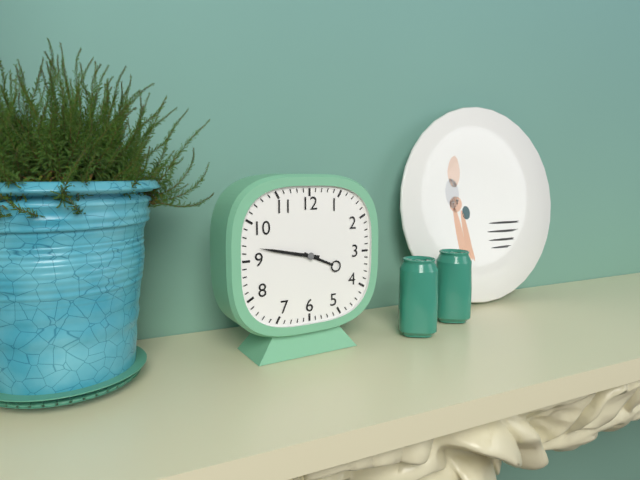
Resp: {"hour": 3, "minute": 47}
